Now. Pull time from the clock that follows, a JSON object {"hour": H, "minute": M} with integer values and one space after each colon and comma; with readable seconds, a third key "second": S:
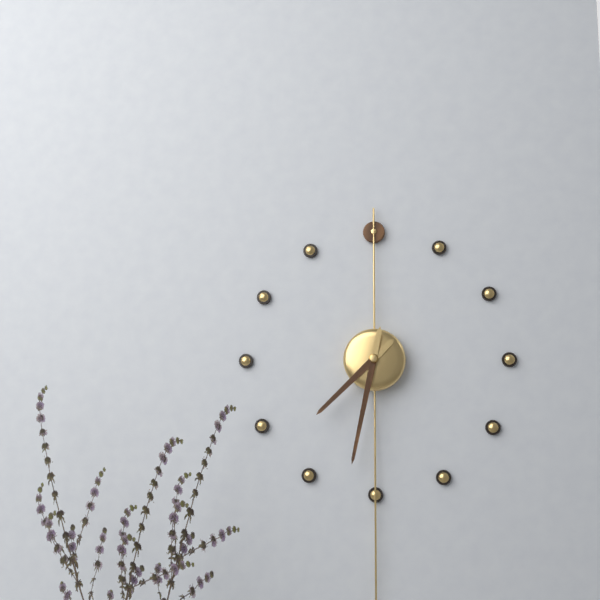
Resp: {"hour": 7, "minute": 32}
